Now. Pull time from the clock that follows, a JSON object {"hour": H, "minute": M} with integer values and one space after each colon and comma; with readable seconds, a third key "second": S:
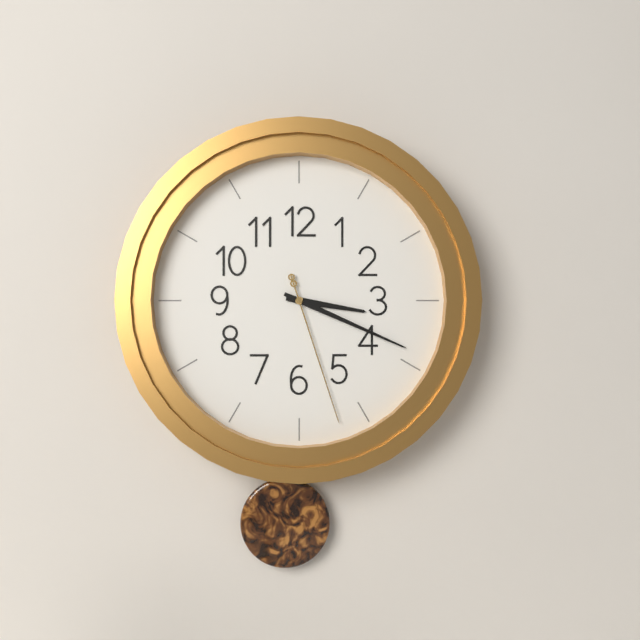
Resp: {"hour": 3, "minute": 19, "second": 27}
